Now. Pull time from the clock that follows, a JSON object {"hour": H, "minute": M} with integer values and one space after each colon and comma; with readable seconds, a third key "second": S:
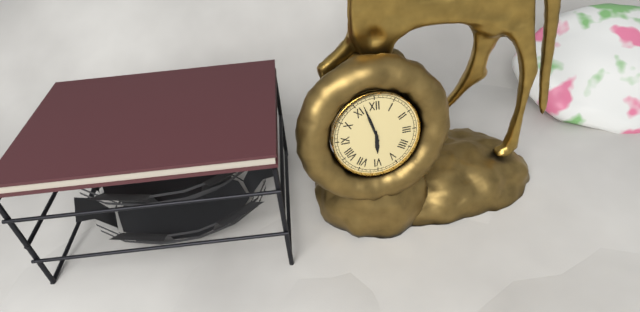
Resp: {"hour": 5, "minute": 57}
